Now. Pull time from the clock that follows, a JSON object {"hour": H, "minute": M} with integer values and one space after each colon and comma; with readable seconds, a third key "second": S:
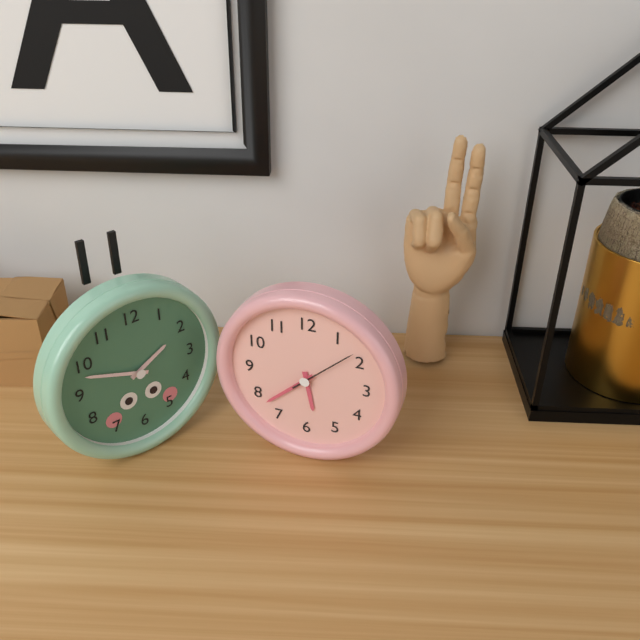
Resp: {"hour": 5, "minute": 38, "second": 8}
